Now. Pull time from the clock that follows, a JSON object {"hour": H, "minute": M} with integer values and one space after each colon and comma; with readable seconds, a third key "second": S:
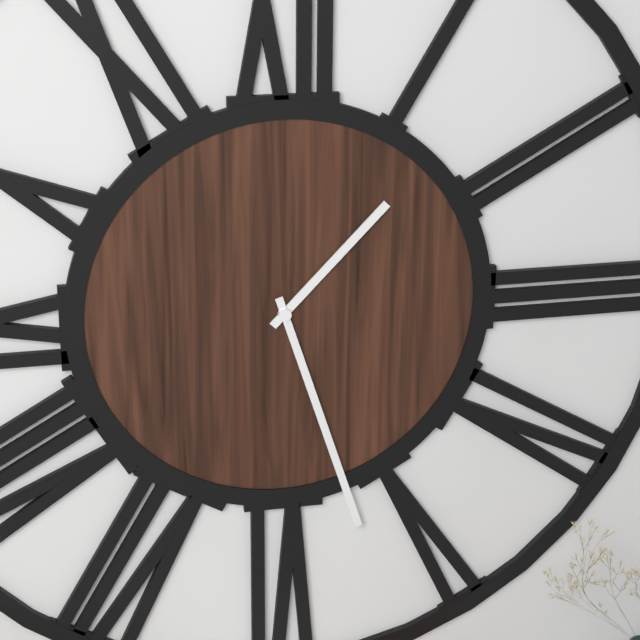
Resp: {"hour": 1, "minute": 27}
